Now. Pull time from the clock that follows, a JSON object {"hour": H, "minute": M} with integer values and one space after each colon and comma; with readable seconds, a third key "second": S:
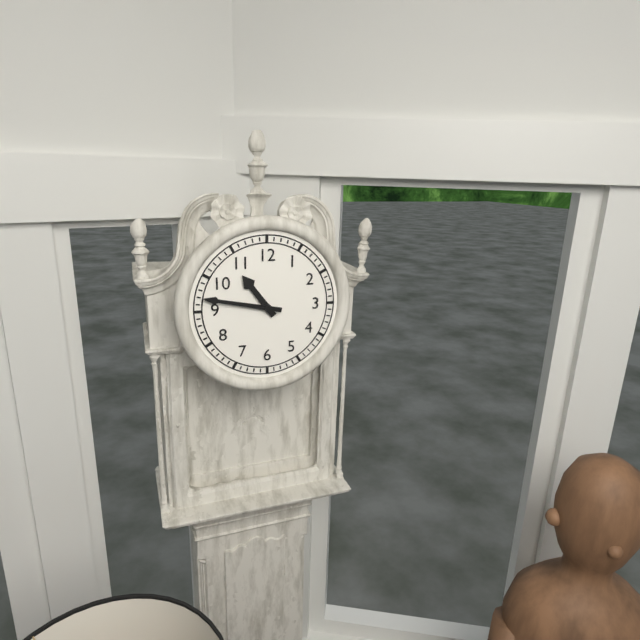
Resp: {"hour": 10, "minute": 47}
